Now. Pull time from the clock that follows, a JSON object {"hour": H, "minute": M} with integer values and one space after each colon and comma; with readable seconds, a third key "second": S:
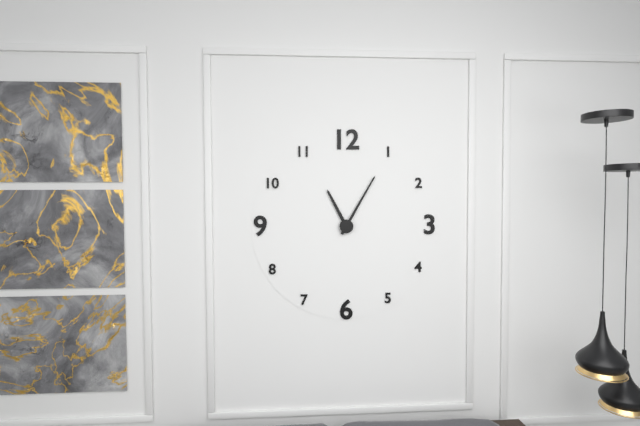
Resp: {"hour": 11, "minute": 5}
